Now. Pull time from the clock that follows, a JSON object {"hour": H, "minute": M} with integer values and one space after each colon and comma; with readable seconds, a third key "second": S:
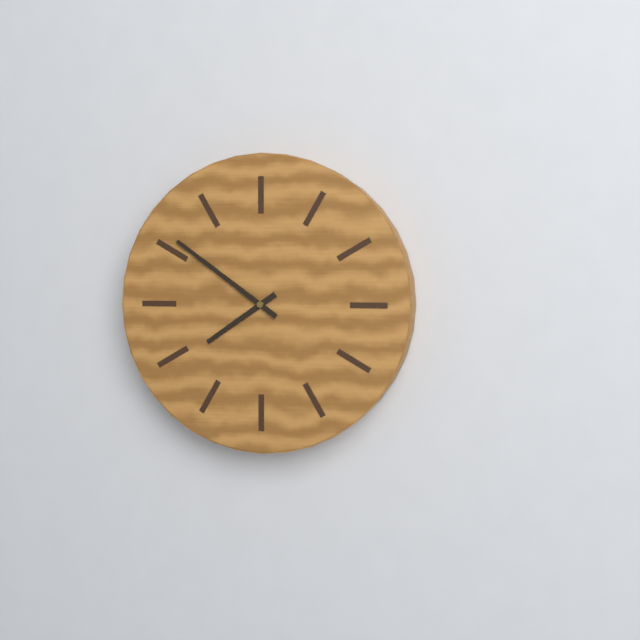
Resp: {"hour": 7, "minute": 51}
